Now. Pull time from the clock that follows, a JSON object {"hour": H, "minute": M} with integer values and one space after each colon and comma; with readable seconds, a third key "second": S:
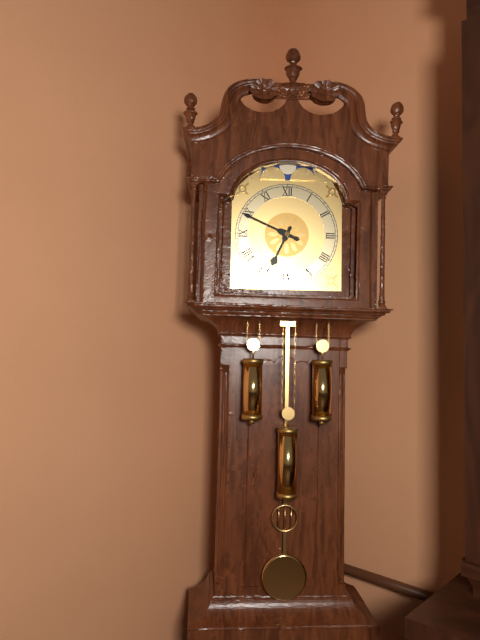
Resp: {"hour": 6, "minute": 49}
